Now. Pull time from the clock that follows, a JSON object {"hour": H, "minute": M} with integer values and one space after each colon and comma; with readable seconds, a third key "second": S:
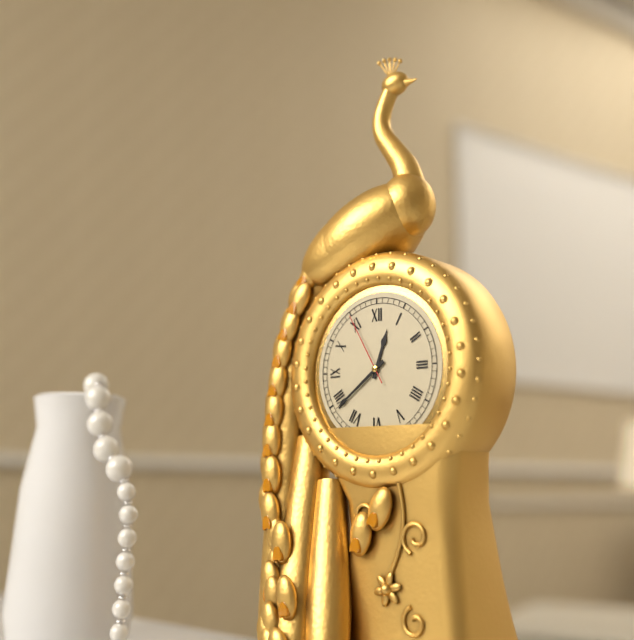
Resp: {"hour": 12, "minute": 39, "second": 55}
